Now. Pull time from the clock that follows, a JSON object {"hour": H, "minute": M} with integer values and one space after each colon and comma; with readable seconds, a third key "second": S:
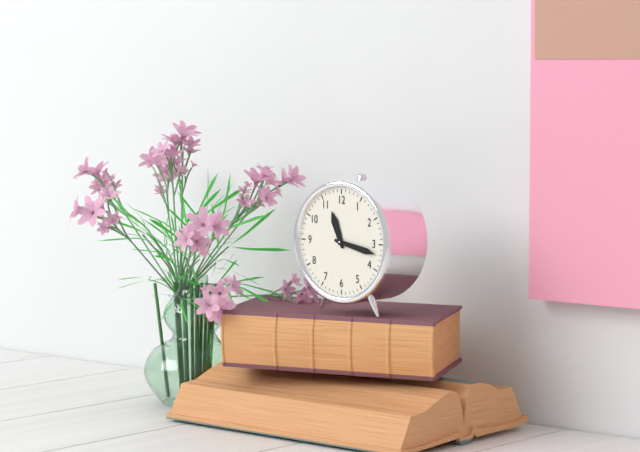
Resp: {"hour": 11, "minute": 17}
